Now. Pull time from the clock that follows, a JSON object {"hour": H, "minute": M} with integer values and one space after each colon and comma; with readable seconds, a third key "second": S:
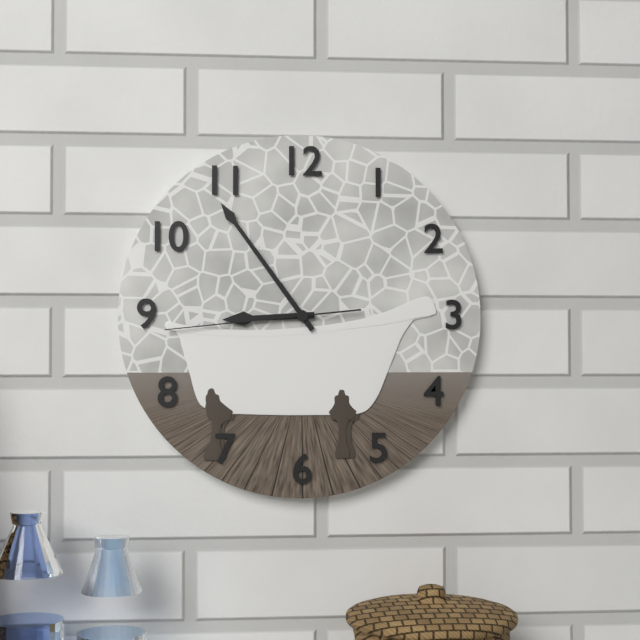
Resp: {"hour": 8, "minute": 54, "second": 44}
